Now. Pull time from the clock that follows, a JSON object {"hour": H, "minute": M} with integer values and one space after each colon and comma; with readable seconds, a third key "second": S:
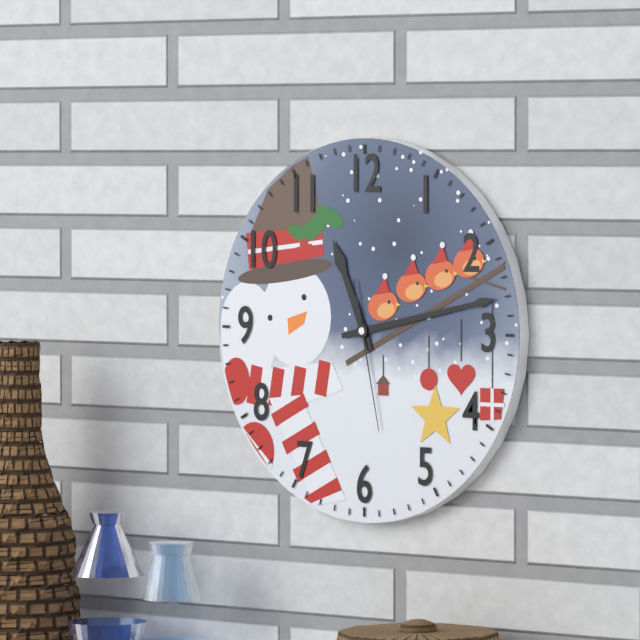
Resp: {"hour": 11, "minute": 13, "second": 28}
